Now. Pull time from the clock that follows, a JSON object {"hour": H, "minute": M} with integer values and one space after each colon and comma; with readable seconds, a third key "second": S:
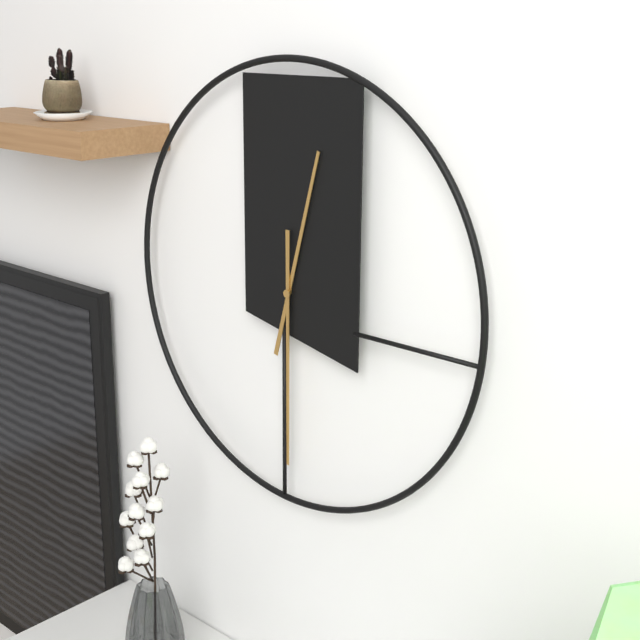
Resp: {"hour": 12, "minute": 30}
